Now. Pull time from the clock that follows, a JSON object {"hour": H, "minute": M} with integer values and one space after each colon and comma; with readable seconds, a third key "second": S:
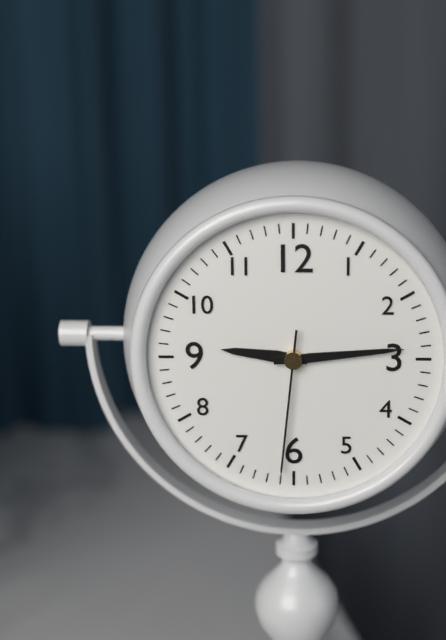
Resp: {"hour": 9, "minute": 14, "second": 31}
